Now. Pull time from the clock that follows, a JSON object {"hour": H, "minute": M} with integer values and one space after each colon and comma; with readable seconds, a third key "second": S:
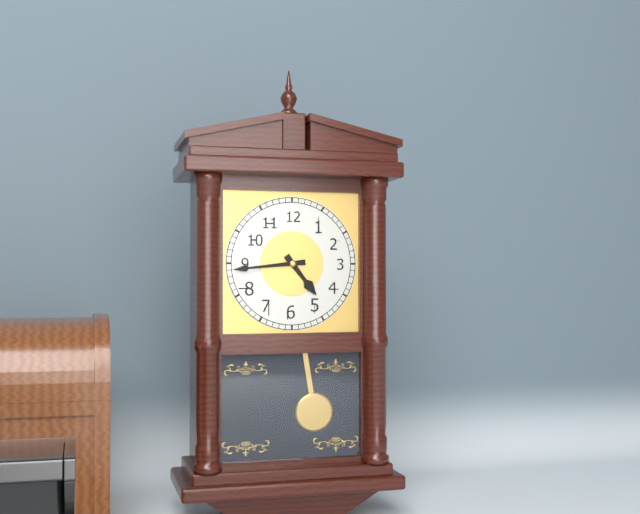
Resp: {"hour": 4, "minute": 44}
